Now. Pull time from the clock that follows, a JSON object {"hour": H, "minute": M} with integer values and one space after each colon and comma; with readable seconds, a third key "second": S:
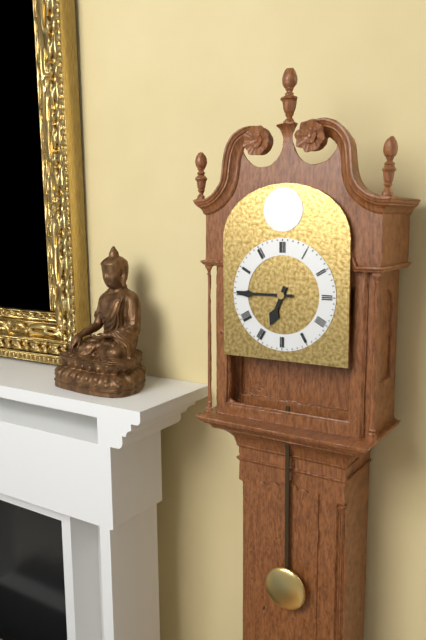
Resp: {"hour": 6, "minute": 45}
